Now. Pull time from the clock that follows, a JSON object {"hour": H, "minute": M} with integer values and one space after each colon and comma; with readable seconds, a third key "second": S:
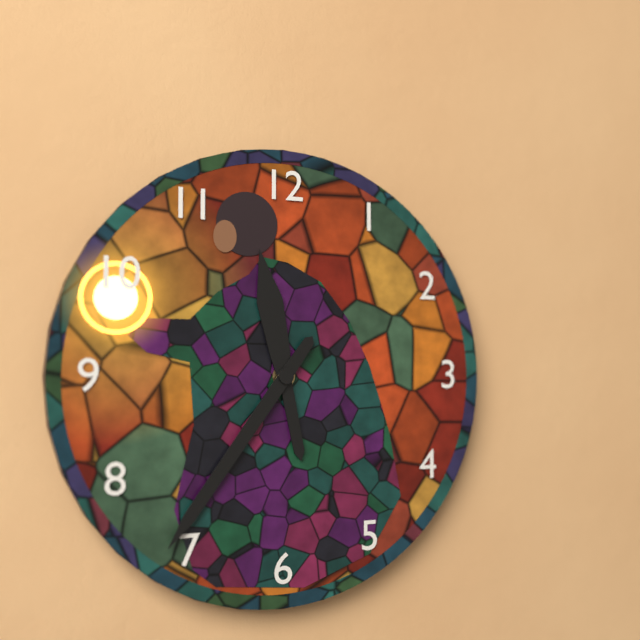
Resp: {"hour": 11, "minute": 36}
